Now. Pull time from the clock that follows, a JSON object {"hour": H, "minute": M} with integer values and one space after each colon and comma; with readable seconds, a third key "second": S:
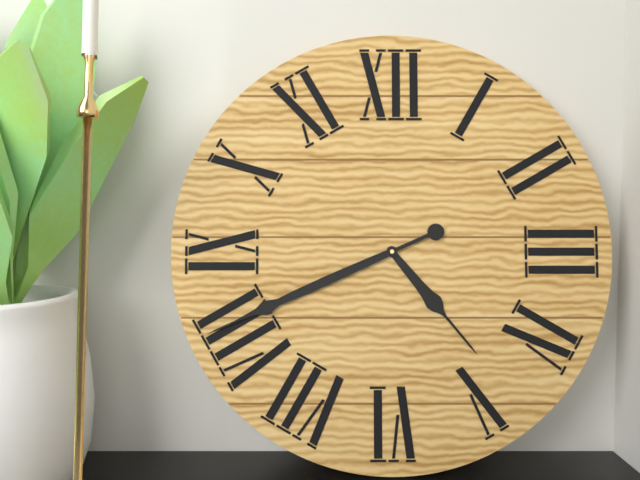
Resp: {"hour": 4, "minute": 41}
